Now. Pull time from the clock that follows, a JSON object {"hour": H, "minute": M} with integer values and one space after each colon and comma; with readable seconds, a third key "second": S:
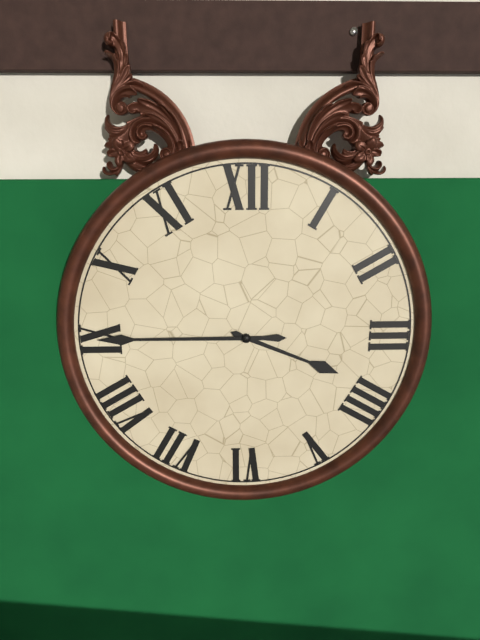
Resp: {"hour": 3, "minute": 45}
